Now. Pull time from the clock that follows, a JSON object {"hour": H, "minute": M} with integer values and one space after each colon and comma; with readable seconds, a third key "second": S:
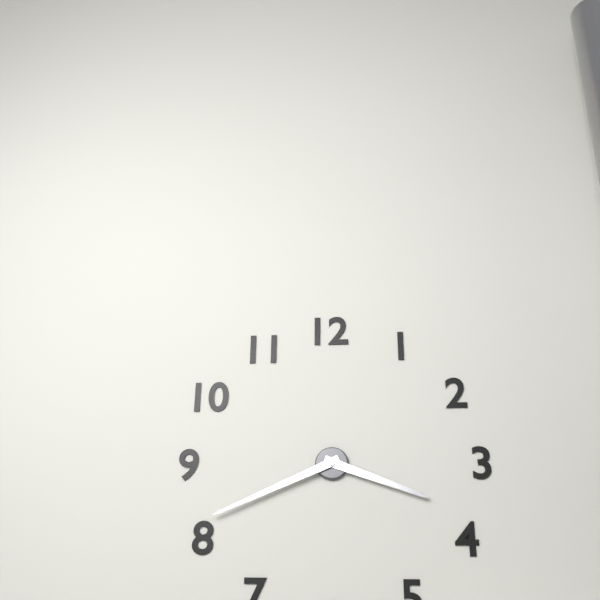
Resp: {"hour": 3, "minute": 41}
